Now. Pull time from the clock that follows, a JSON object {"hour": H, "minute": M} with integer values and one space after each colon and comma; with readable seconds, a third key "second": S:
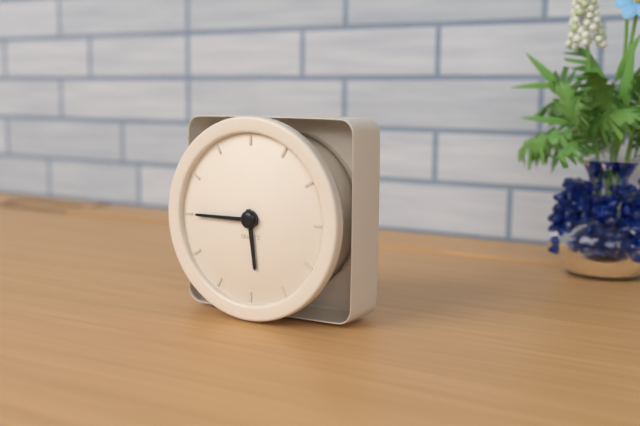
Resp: {"hour": 5, "minute": 45}
